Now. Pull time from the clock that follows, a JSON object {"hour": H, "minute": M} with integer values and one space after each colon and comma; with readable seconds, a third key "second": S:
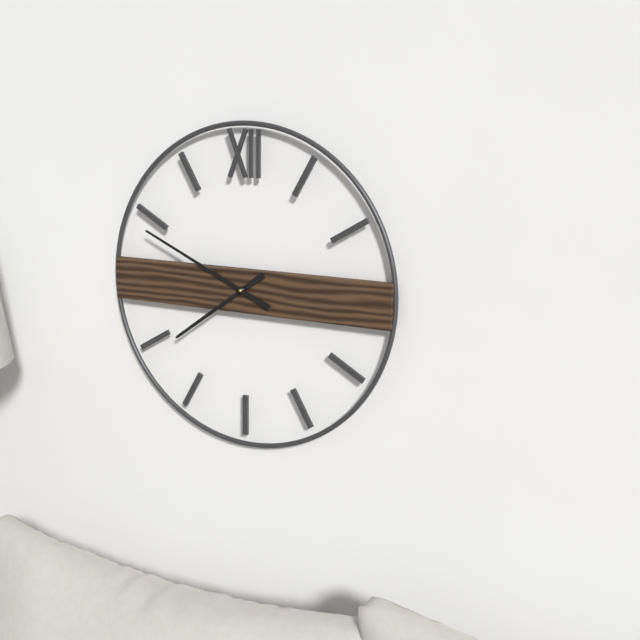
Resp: {"hour": 7, "minute": 49}
